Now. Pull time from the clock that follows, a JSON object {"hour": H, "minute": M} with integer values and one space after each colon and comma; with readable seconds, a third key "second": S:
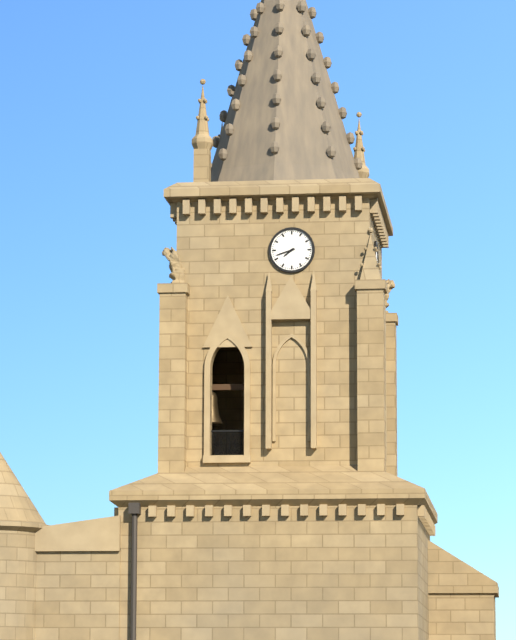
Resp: {"hour": 7, "minute": 42}
